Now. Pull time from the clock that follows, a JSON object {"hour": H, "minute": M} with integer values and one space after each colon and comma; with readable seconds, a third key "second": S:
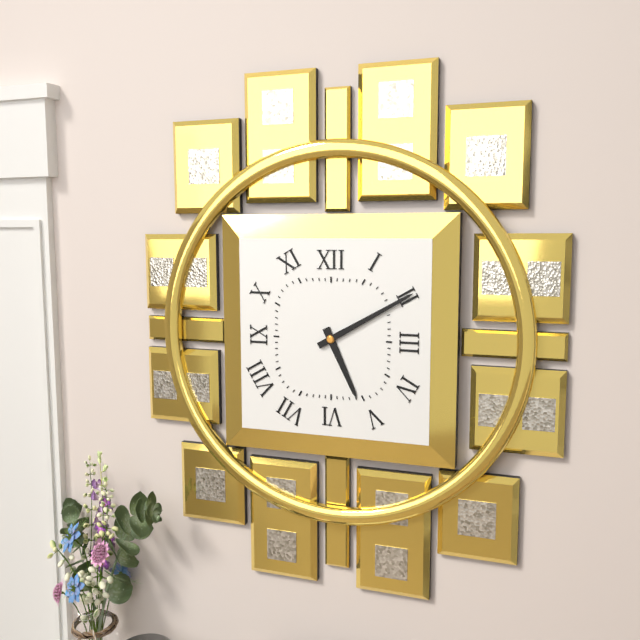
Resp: {"hour": 5, "minute": 10}
